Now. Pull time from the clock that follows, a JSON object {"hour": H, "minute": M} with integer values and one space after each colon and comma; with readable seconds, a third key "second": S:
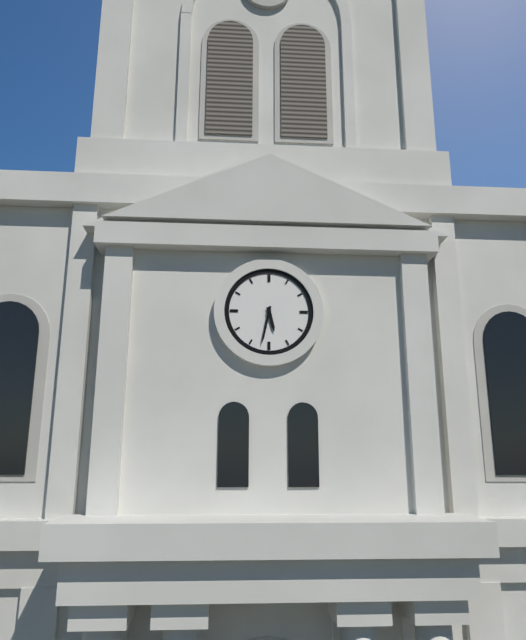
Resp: {"hour": 5, "minute": 32}
